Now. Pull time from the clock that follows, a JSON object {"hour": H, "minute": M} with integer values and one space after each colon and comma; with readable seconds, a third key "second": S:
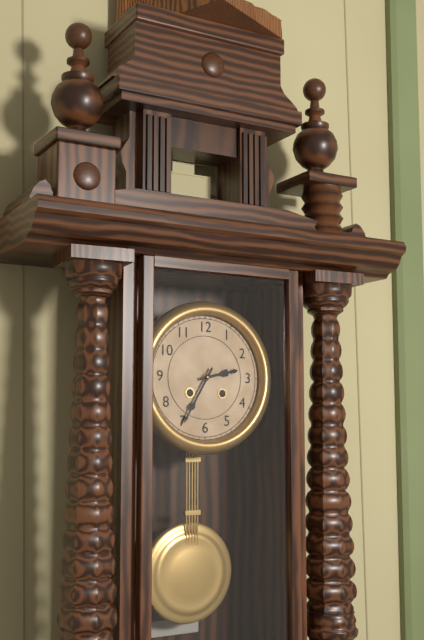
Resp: {"hour": 2, "minute": 35}
